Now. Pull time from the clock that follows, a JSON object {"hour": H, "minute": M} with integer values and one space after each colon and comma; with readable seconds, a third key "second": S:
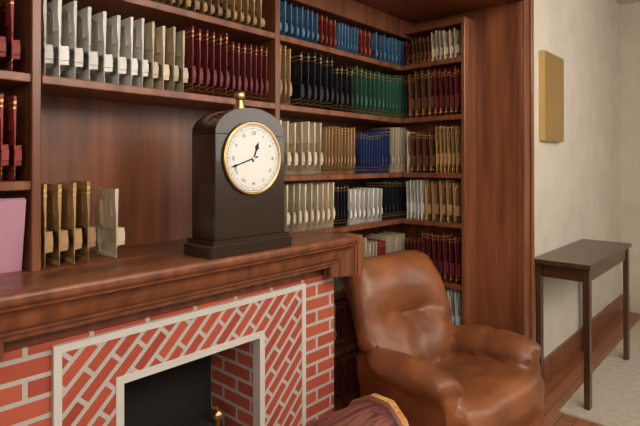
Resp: {"hour": 12, "minute": 42}
